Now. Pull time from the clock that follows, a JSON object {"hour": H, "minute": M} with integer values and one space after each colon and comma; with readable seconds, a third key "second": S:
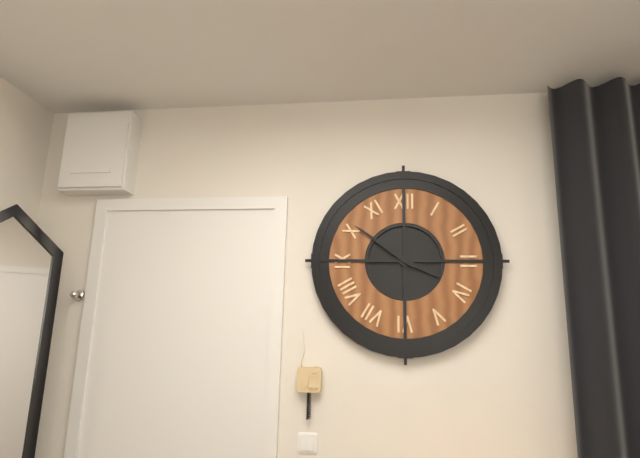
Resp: {"hour": 3, "minute": 51}
